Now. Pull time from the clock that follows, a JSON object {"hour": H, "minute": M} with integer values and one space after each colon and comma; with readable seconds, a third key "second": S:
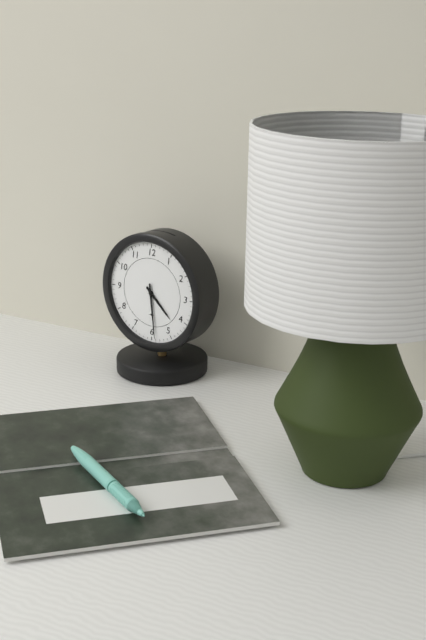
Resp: {"hour": 4, "minute": 29}
